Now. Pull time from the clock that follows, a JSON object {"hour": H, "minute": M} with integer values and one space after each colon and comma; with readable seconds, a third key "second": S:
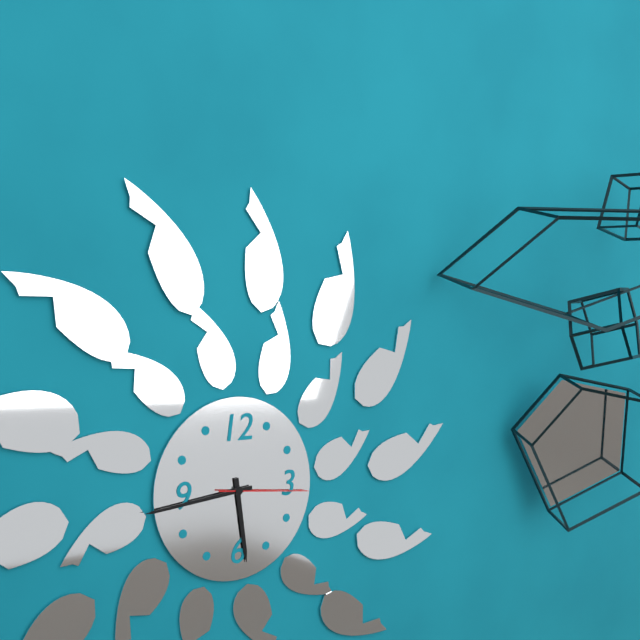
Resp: {"hour": 5, "minute": 44, "second": 16}
